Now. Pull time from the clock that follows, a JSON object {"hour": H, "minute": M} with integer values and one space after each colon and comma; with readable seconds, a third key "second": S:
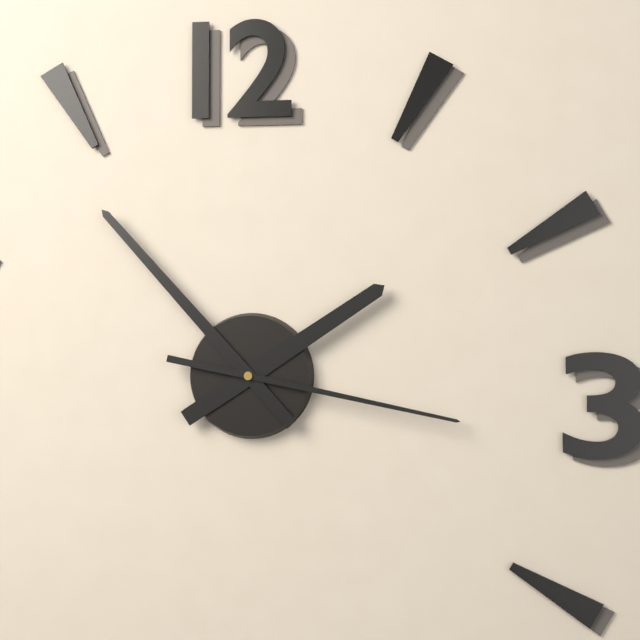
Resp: {"hour": 1, "minute": 53, "second": 17}
